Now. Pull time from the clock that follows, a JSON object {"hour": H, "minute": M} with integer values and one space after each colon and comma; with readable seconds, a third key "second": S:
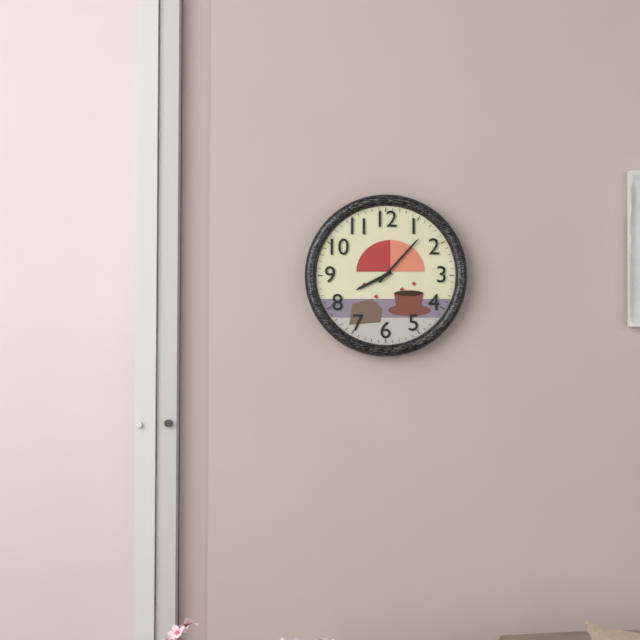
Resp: {"hour": 8, "minute": 7}
